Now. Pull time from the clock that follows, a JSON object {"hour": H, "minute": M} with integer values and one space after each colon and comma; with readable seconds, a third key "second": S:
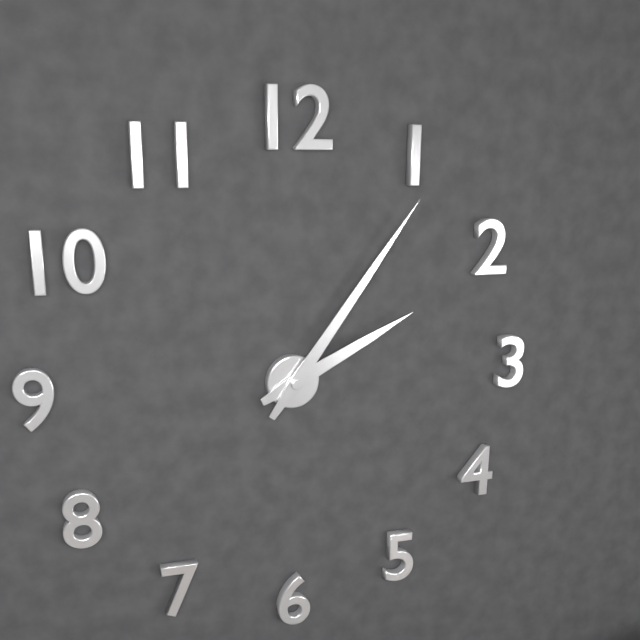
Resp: {"hour": 2, "minute": 6}
